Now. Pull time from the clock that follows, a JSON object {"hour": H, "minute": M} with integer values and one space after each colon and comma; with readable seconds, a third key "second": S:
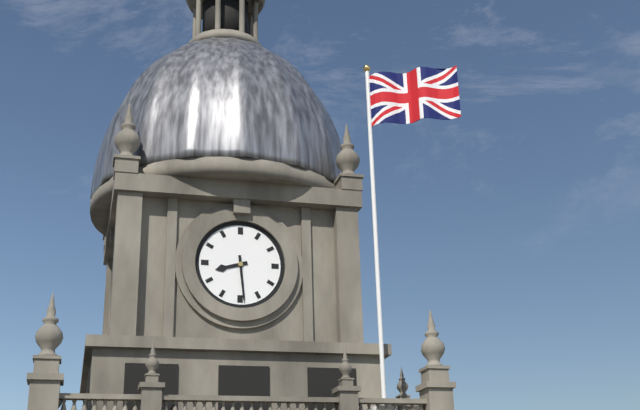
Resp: {"hour": 8, "minute": 29}
